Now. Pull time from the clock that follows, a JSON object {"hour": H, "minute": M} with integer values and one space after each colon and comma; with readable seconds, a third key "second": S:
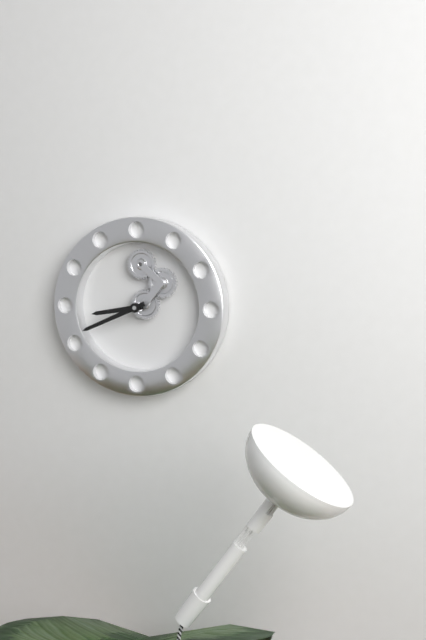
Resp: {"hour": 8, "minute": 41}
